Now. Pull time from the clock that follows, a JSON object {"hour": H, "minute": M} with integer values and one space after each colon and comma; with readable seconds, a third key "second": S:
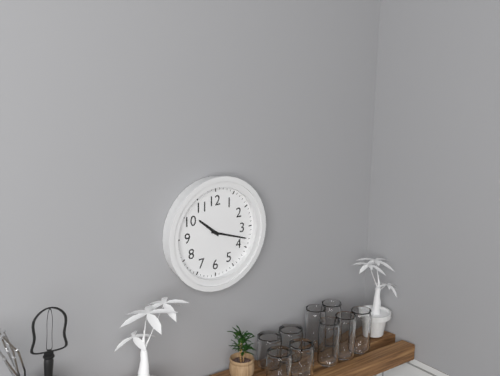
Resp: {"hour": 10, "minute": 18}
